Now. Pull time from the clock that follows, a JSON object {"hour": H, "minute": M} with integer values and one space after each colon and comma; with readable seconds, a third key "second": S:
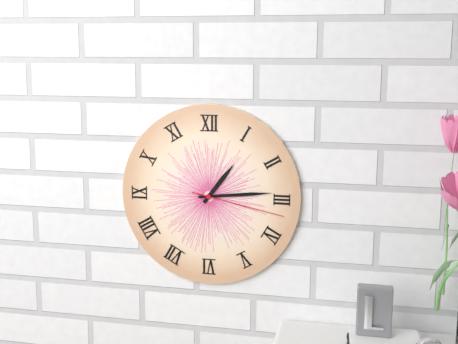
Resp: {"hour": 1, "minute": 14, "second": 17}
